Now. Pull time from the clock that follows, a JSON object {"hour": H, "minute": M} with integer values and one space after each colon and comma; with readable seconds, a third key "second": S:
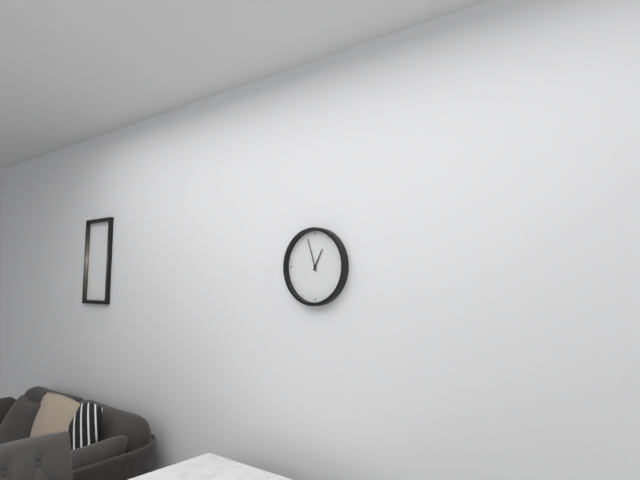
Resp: {"hour": 12, "minute": 57}
